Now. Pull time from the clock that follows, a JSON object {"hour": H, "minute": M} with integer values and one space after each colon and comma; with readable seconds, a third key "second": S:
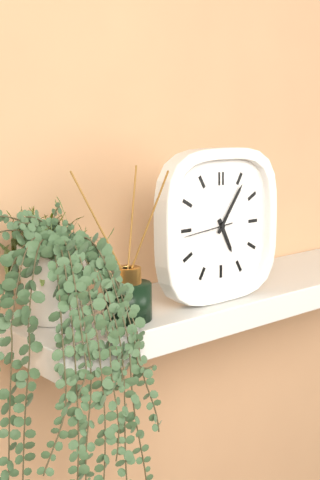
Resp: {"hour": 5, "minute": 6}
